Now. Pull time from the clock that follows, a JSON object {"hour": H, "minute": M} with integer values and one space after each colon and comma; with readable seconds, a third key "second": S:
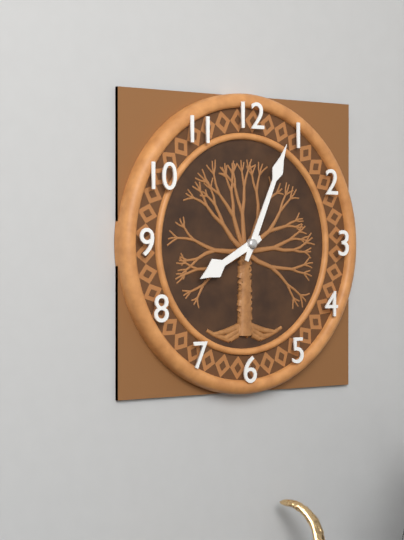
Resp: {"hour": 8, "minute": 4}
